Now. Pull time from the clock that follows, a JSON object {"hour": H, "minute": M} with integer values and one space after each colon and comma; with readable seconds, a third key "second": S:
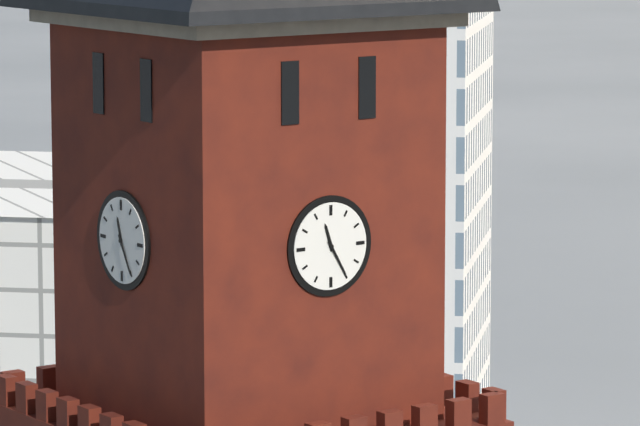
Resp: {"hour": 11, "minute": 25}
